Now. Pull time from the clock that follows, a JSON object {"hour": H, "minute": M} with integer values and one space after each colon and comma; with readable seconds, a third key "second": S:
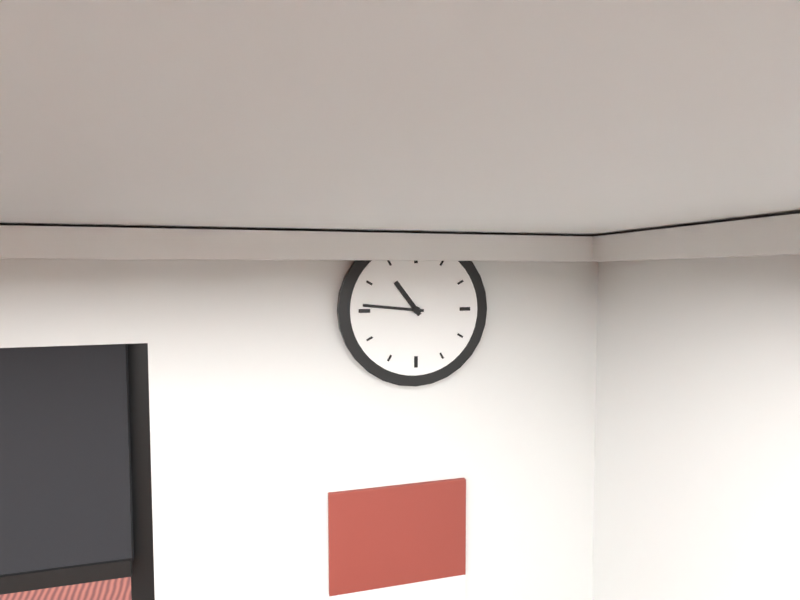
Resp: {"hour": 10, "minute": 46}
